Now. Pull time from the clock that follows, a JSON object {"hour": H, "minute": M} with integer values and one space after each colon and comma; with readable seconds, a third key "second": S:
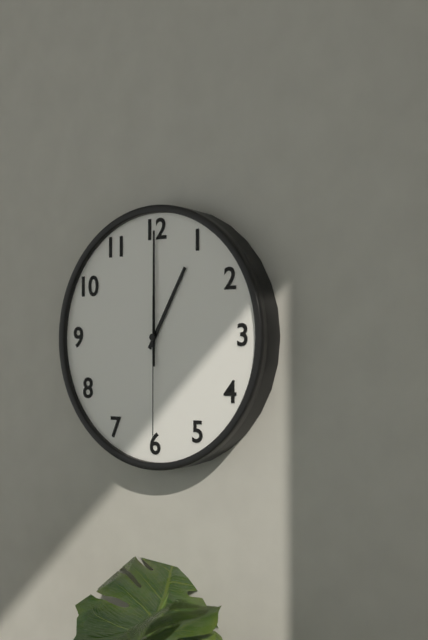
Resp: {"hour": 1, "minute": 0, "second": 30}
